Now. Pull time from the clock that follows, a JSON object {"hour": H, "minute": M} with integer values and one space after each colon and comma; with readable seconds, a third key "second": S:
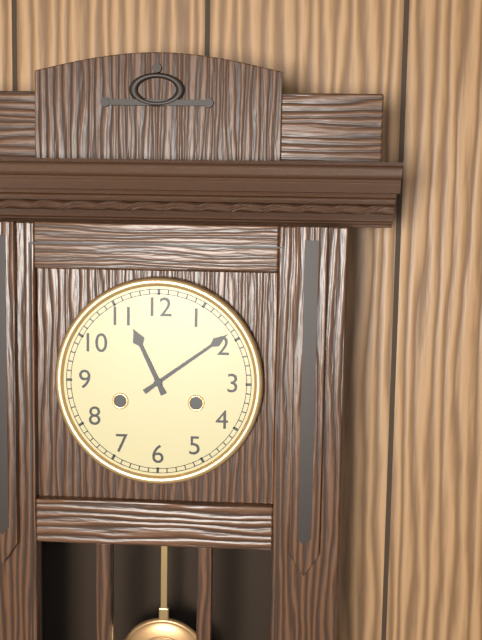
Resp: {"hour": 11, "minute": 9}
